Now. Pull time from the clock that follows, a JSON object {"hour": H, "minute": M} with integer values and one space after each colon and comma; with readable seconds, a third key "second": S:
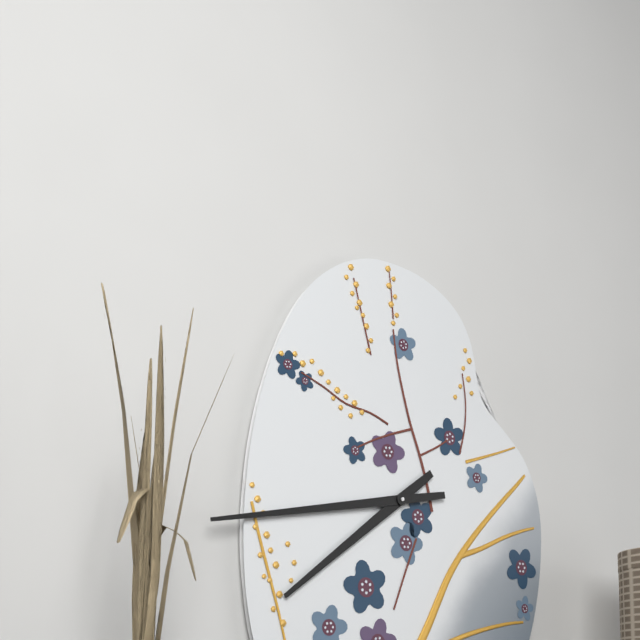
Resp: {"hour": 7, "minute": 43}
